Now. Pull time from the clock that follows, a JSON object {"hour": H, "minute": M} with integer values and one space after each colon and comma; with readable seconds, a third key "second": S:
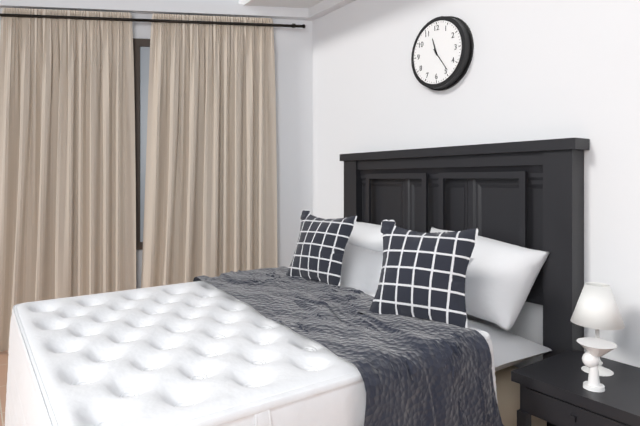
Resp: {"hour": 11, "minute": 24}
